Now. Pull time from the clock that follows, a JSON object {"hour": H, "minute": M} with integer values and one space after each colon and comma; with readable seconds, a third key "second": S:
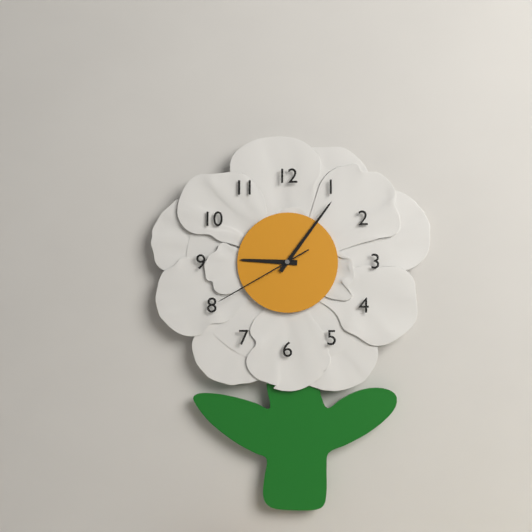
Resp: {"hour": 9, "minute": 6, "second": 40}
